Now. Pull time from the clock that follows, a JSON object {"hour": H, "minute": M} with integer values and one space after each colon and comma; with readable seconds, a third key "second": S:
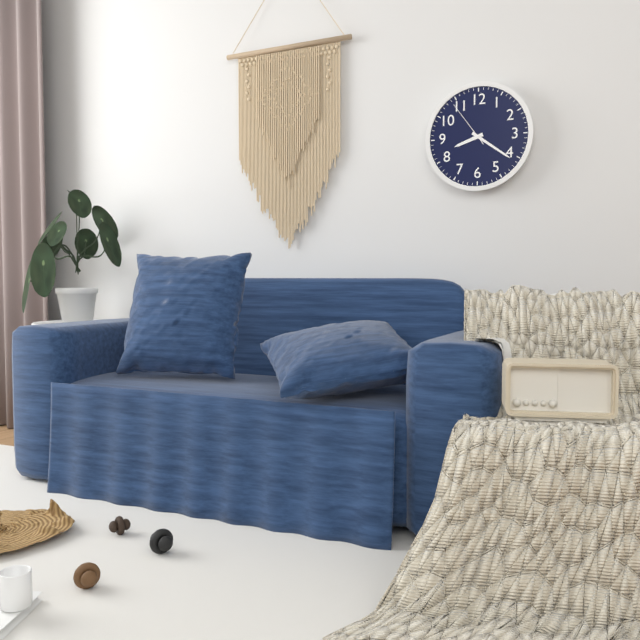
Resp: {"hour": 8, "minute": 21, "second": 54}
